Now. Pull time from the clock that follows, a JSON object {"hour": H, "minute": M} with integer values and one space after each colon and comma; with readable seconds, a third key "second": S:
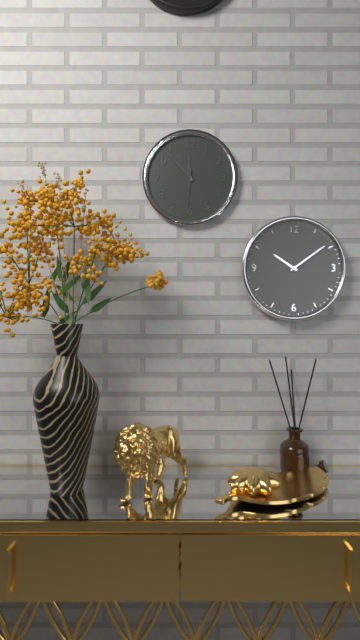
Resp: {"hour": 11, "minute": 53}
